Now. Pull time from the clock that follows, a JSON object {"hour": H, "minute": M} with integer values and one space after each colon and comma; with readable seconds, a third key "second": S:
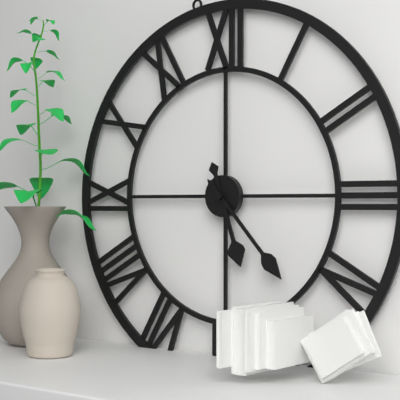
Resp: {"hour": 5, "minute": 23}
